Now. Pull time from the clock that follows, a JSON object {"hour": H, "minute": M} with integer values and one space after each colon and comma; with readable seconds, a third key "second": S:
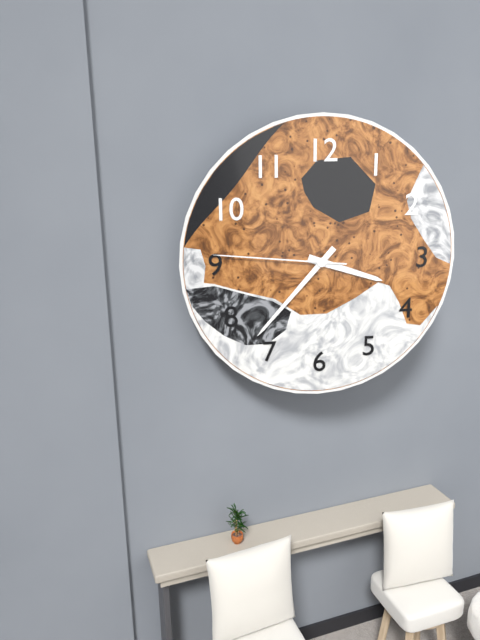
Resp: {"hour": 3, "minute": 37, "second": 46}
